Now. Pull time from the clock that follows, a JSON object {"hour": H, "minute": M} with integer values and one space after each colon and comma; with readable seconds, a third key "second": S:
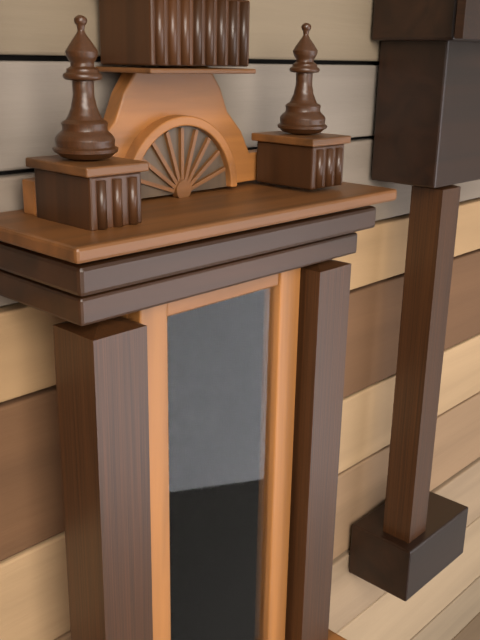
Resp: {"hour": 8, "minute": 10}
